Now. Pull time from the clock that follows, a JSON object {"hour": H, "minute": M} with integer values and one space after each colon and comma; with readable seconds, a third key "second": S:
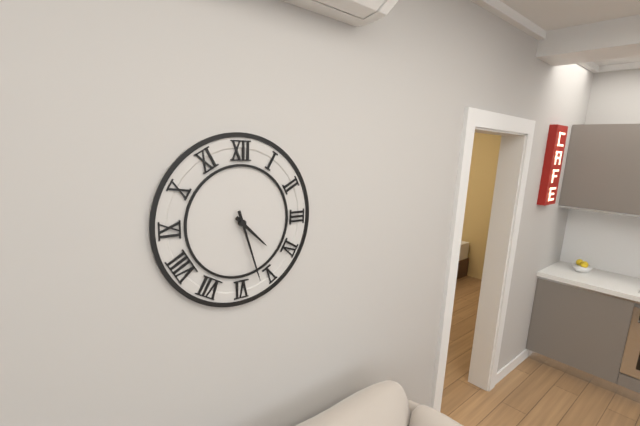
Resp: {"hour": 4, "minute": 27}
